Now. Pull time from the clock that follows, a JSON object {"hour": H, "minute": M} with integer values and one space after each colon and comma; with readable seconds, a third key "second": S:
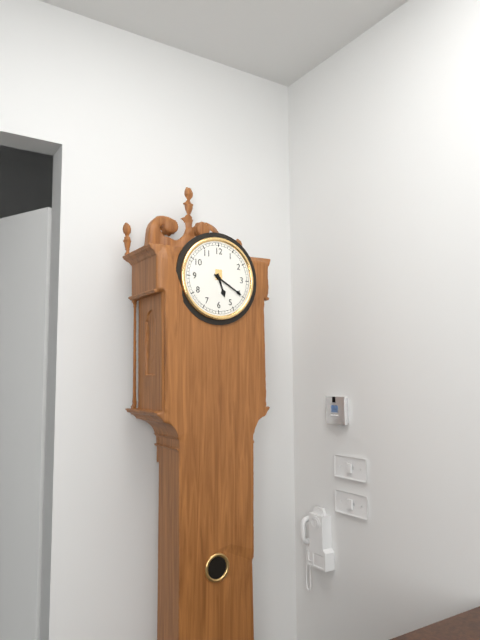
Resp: {"hour": 5, "minute": 20}
